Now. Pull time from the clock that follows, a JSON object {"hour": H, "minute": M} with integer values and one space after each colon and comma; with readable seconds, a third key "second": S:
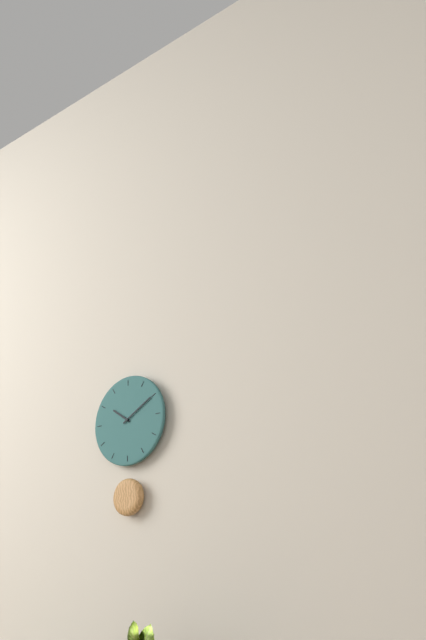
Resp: {"hour": 10, "minute": 10}
